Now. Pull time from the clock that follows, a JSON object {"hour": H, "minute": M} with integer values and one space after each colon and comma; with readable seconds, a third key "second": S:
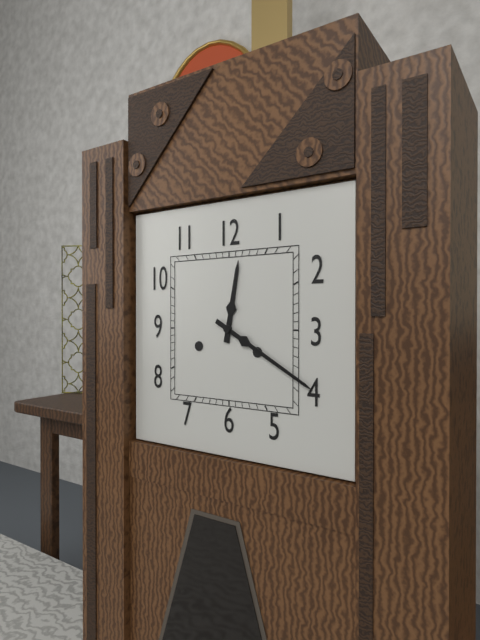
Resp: {"hour": 12, "minute": 20}
